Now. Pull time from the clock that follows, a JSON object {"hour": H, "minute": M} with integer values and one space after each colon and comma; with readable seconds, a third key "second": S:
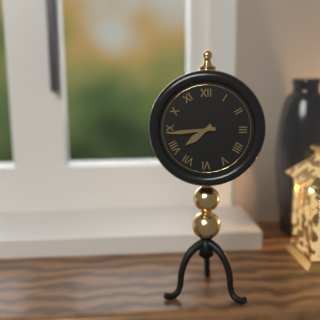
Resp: {"hour": 7, "minute": 44}
